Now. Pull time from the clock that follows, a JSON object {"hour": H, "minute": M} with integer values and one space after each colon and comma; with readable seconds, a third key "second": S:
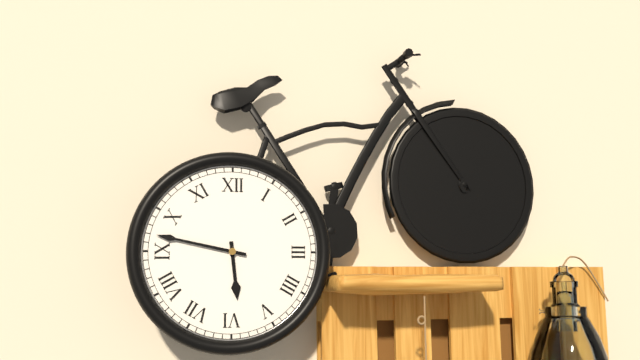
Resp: {"hour": 5, "minute": 47}
